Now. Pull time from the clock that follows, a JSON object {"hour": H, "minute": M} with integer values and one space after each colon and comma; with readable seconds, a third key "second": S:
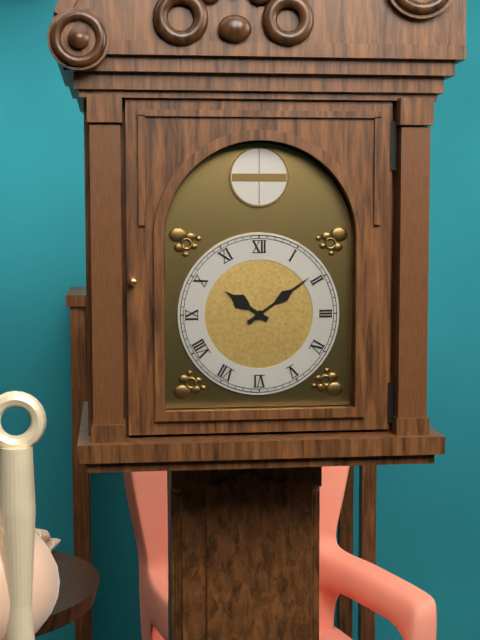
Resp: {"hour": 10, "minute": 9}
